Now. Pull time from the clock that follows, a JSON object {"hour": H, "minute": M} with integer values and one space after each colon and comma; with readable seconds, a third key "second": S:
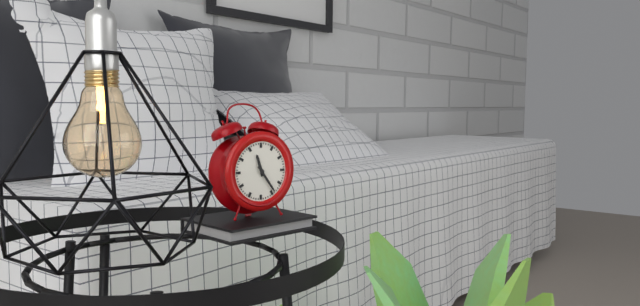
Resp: {"hour": 11, "minute": 24}
